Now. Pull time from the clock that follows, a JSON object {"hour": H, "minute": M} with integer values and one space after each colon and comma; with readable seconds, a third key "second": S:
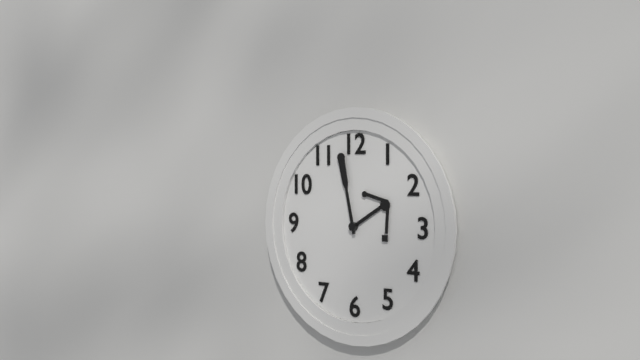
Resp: {"hour": 1, "minute": 58}
